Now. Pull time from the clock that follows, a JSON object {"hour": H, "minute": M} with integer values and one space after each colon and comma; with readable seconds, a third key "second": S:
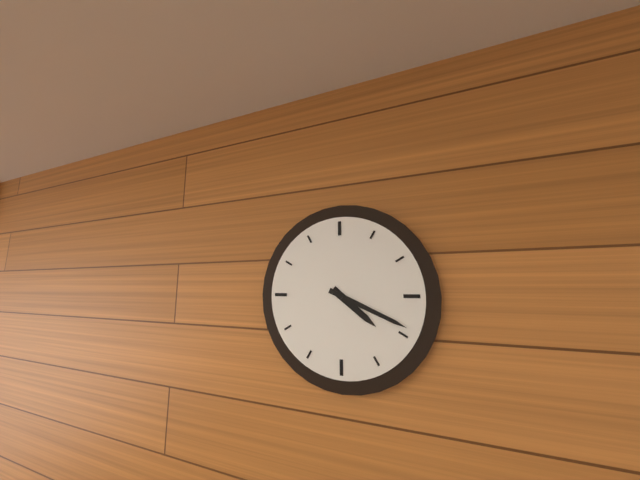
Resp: {"hour": 4, "minute": 19}
